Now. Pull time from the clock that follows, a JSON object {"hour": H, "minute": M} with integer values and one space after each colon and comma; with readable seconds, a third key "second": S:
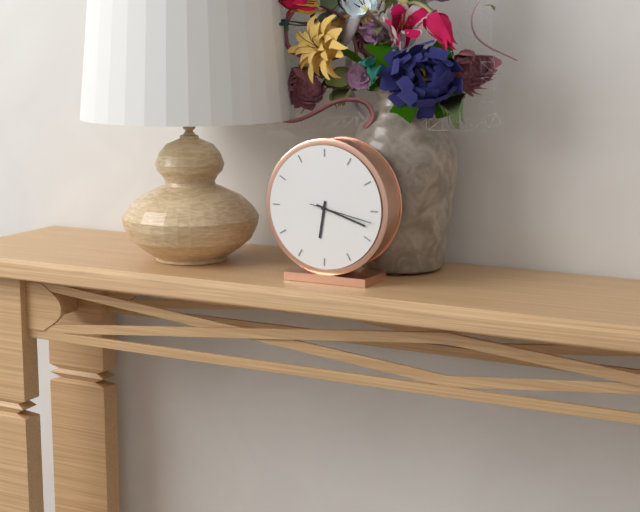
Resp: {"hour": 6, "minute": 18, "second": 17}
